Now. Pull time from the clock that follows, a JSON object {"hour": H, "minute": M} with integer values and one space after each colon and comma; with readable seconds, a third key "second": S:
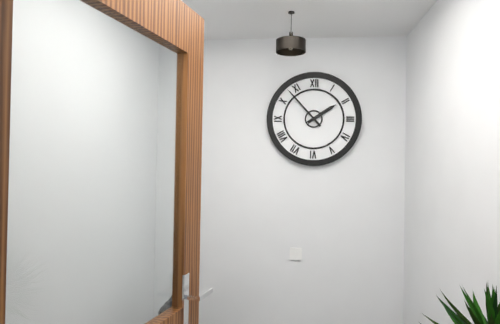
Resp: {"hour": 1, "minute": 53}
